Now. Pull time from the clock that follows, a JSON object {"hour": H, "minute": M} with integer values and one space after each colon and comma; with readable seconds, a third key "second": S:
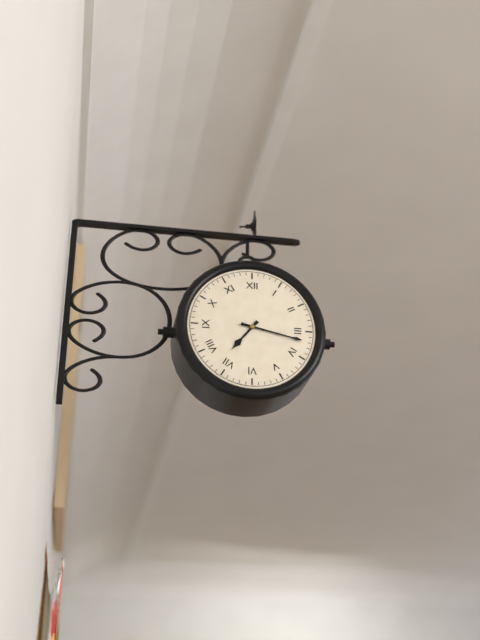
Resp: {"hour": 7, "minute": 17}
